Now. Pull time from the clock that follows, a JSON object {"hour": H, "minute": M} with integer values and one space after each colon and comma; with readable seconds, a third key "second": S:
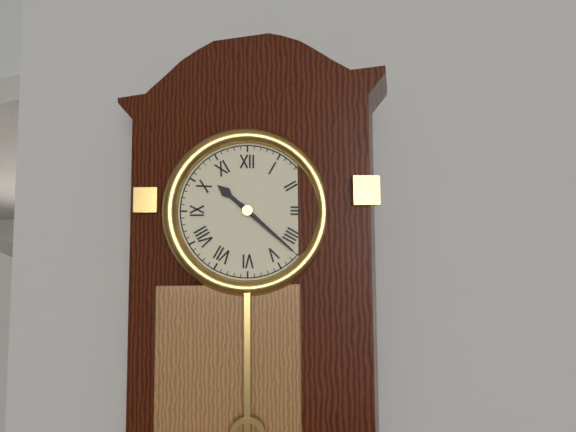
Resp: {"hour": 10, "minute": 22}
